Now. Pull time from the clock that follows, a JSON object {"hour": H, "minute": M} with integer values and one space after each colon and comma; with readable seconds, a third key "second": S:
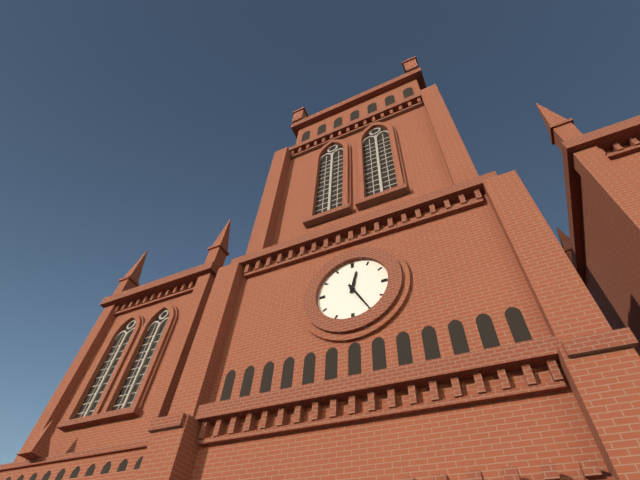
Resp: {"hour": 12, "minute": 25}
